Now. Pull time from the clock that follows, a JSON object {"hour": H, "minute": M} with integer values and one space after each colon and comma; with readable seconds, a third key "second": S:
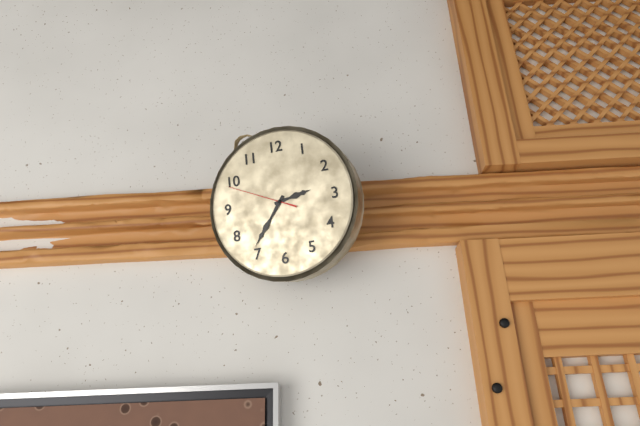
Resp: {"hour": 2, "minute": 36, "second": 49}
